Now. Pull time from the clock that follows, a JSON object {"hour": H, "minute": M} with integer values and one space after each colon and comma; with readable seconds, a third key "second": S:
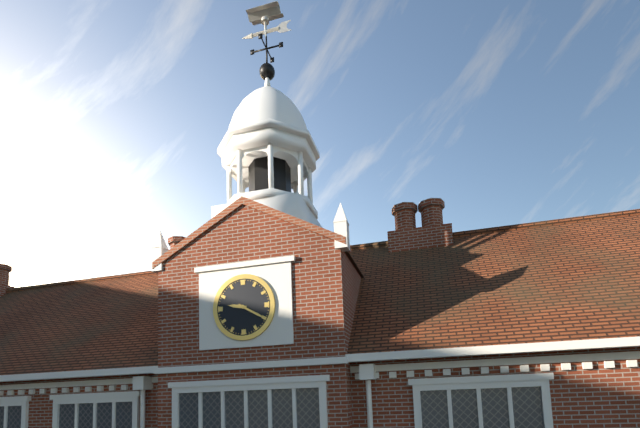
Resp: {"hour": 9, "minute": 20}
